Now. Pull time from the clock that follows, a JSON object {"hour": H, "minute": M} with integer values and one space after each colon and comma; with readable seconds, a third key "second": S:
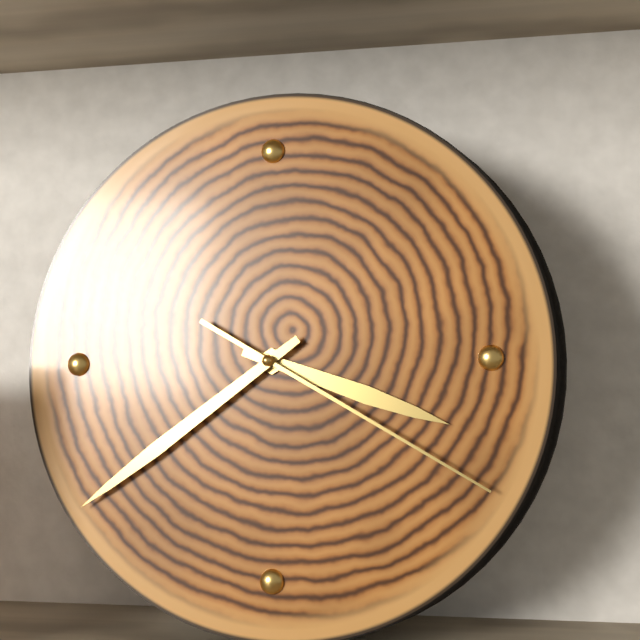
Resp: {"hour": 3, "minute": 39, "second": 20}
